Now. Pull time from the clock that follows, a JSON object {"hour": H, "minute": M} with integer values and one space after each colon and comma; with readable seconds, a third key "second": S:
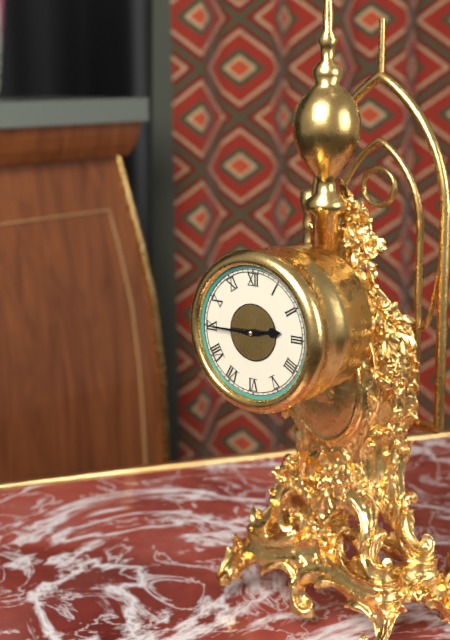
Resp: {"hour": 2, "minute": 45}
